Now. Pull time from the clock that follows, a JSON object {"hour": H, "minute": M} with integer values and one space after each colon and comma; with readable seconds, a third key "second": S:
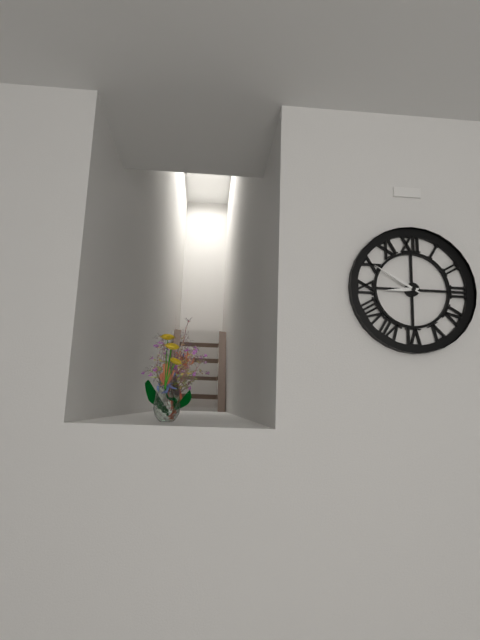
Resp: {"hour": 8, "minute": 50}
